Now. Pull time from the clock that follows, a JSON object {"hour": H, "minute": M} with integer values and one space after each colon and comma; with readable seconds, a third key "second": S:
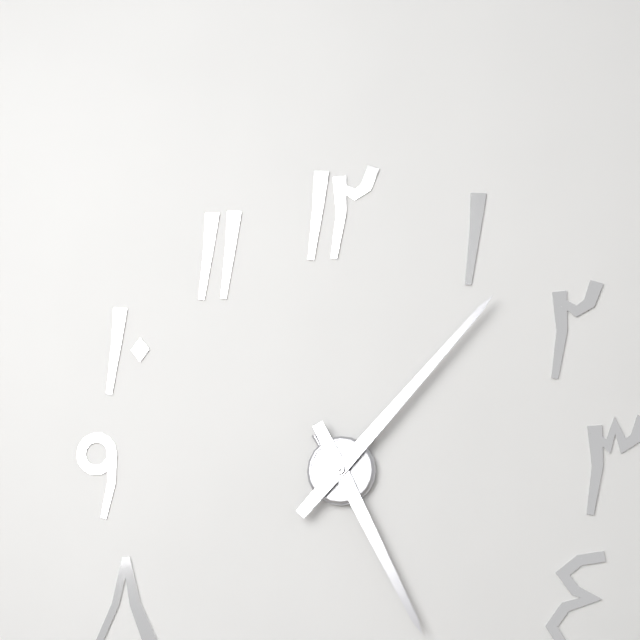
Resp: {"hour": 5, "minute": 7}
